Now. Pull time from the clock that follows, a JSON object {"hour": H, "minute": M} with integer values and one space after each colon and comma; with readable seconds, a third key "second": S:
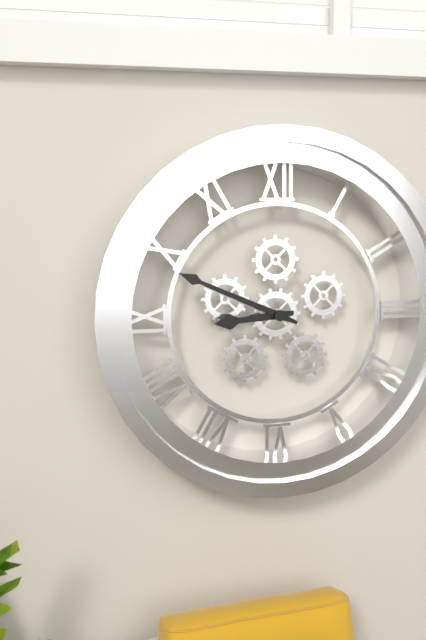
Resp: {"hour": 8, "minute": 49}
